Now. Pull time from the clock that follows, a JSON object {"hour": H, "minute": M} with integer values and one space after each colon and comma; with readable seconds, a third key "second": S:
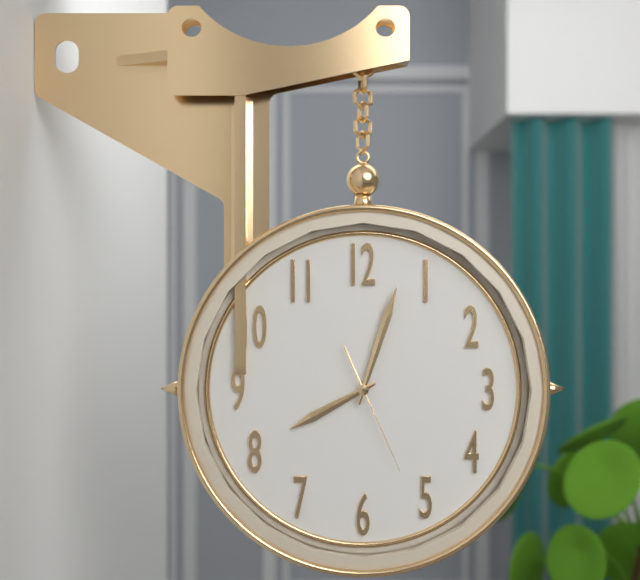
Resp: {"hour": 8, "minute": 3, "second": 26}
